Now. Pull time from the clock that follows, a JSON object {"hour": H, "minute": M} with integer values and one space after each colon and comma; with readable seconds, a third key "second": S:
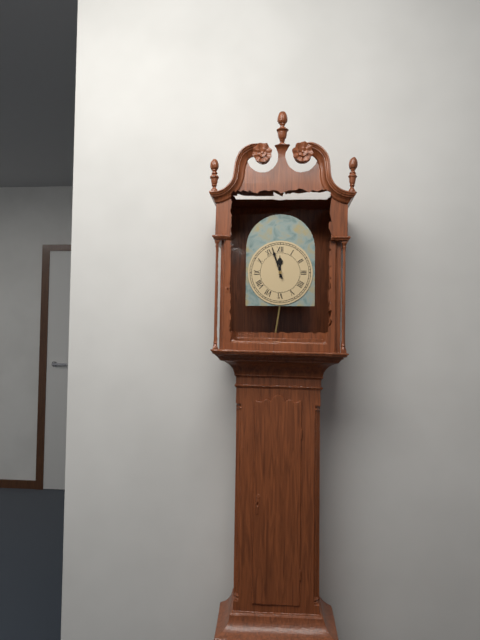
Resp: {"hour": 11, "minute": 57}
